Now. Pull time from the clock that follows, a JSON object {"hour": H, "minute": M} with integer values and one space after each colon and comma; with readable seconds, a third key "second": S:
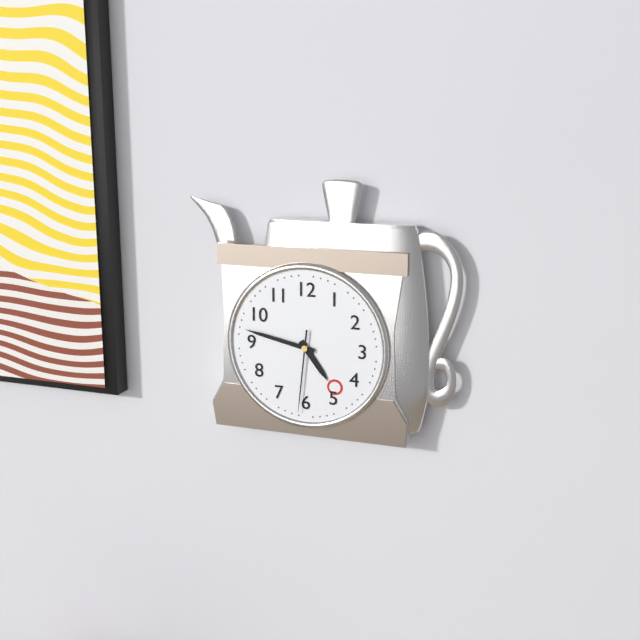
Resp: {"hour": 4, "minute": 47, "second": 31}
